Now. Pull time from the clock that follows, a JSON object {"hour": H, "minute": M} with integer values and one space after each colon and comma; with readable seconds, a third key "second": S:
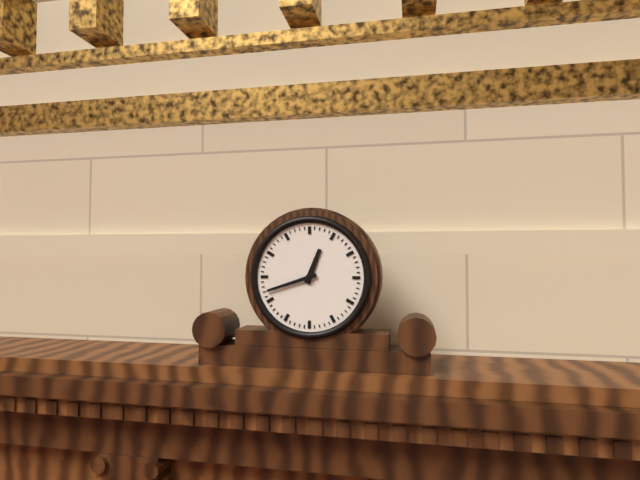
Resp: {"hour": 12, "minute": 42}
